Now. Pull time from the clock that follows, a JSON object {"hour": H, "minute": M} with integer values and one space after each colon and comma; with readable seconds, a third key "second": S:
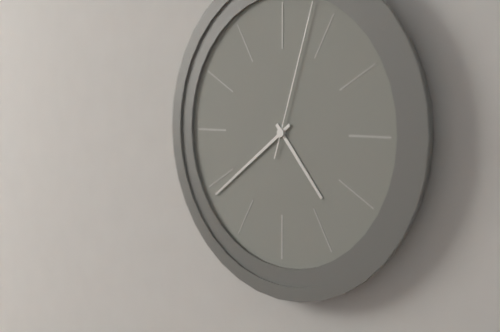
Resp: {"hour": 4, "minute": 39, "second": 3}
